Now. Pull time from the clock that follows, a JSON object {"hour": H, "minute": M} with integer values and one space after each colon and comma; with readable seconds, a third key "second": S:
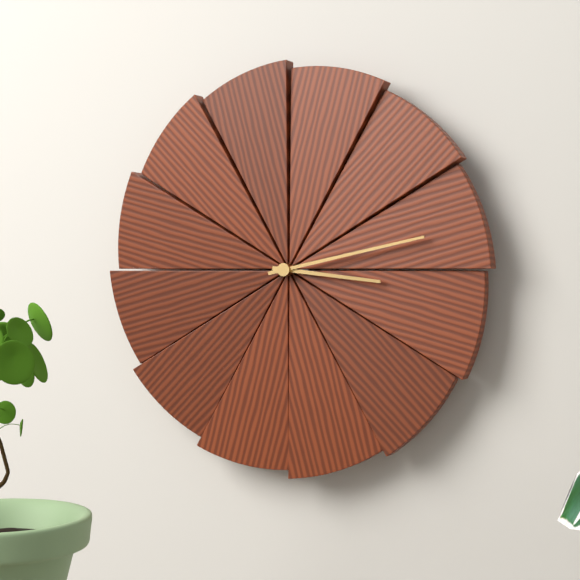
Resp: {"hour": 3, "minute": 13}
